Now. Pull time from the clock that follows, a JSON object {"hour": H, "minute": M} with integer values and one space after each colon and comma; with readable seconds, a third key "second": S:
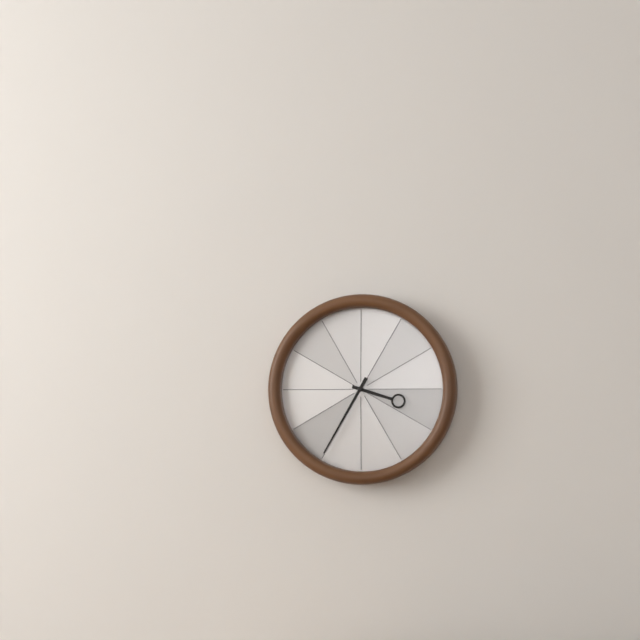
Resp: {"hour": 3, "minute": 35}
